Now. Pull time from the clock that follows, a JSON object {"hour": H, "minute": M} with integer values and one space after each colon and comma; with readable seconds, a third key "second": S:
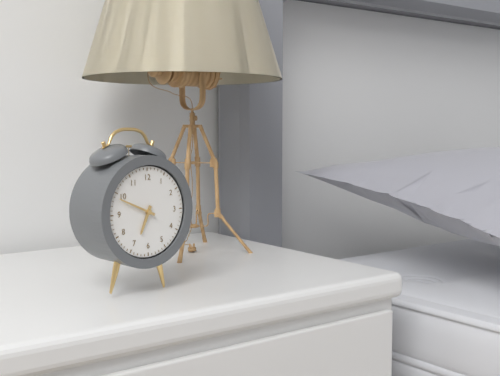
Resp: {"hour": 6, "minute": 49}
